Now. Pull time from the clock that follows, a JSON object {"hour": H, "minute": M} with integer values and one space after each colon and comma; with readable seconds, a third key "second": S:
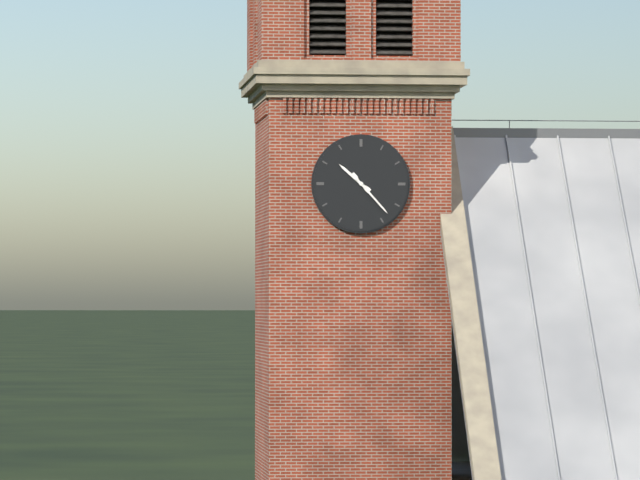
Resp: {"hour": 10, "minute": 23}
